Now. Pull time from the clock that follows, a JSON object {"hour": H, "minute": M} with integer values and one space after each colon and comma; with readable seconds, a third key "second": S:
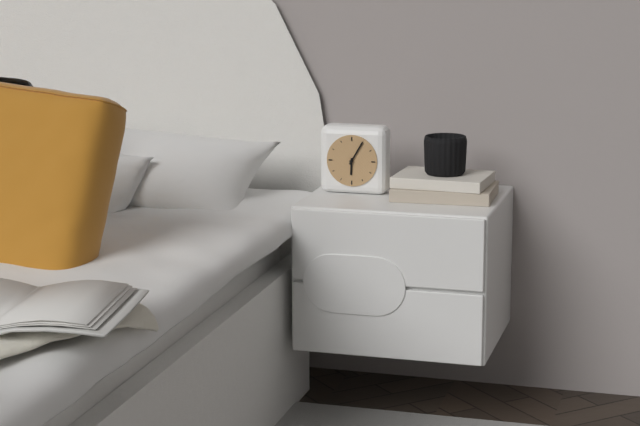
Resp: {"hour": 6, "minute": 5}
